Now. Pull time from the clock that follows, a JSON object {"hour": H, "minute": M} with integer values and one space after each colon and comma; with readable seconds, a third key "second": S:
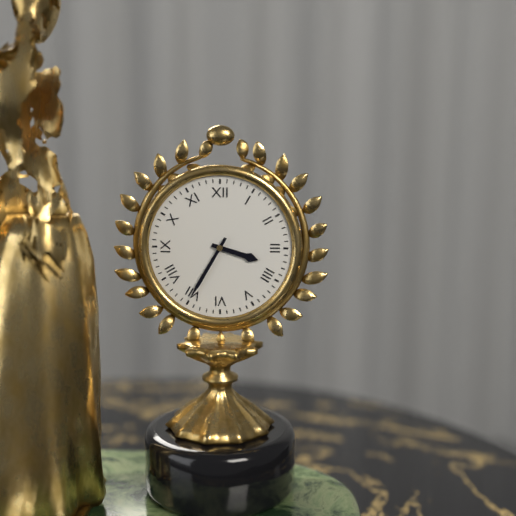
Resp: {"hour": 3, "minute": 35}
